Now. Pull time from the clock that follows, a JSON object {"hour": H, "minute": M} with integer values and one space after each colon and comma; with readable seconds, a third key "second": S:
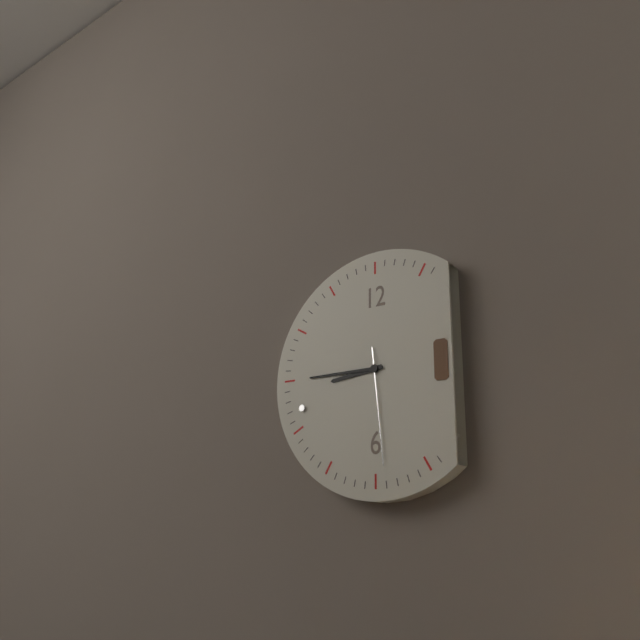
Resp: {"hour": 8, "minute": 45, "second": 29}
